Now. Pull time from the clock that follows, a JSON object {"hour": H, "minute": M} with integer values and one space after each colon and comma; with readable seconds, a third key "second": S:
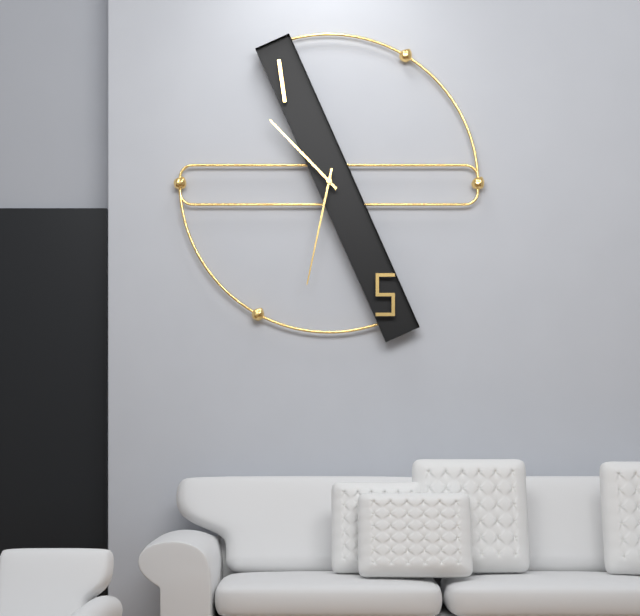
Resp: {"hour": 10, "minute": 32}
